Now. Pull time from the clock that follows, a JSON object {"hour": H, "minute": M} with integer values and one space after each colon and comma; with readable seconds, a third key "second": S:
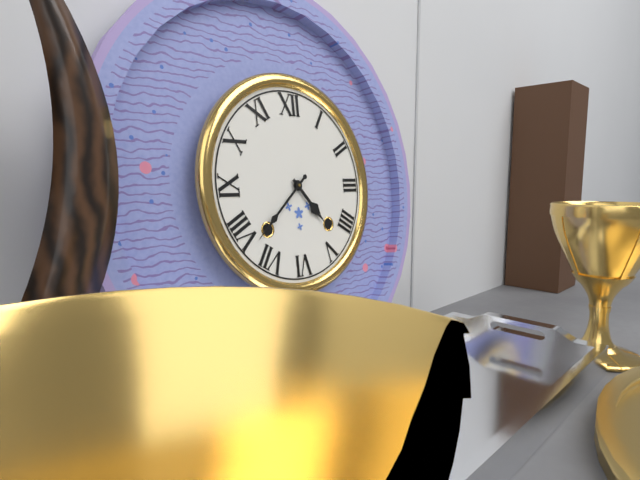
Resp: {"hour": 4, "minute": 38}
